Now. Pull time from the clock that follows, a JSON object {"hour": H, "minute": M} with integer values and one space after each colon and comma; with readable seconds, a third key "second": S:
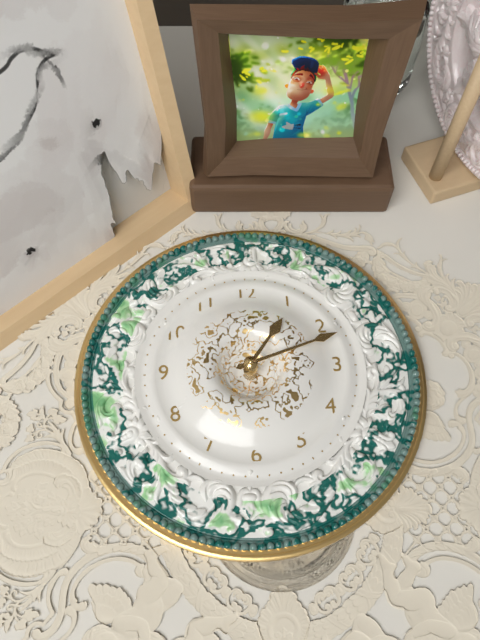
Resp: {"hour": 1, "minute": 12}
